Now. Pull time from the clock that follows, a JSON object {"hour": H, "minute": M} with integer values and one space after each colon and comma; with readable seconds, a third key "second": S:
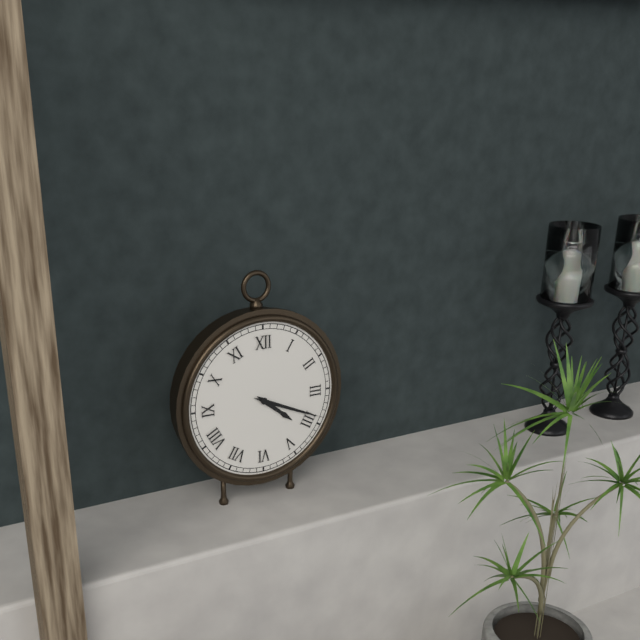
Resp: {"hour": 4, "minute": 19}
